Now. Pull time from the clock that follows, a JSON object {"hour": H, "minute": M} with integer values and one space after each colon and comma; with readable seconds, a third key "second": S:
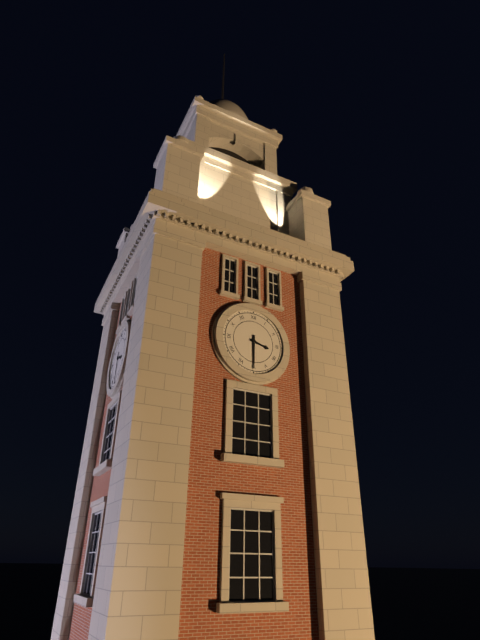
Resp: {"hour": 3, "minute": 30}
